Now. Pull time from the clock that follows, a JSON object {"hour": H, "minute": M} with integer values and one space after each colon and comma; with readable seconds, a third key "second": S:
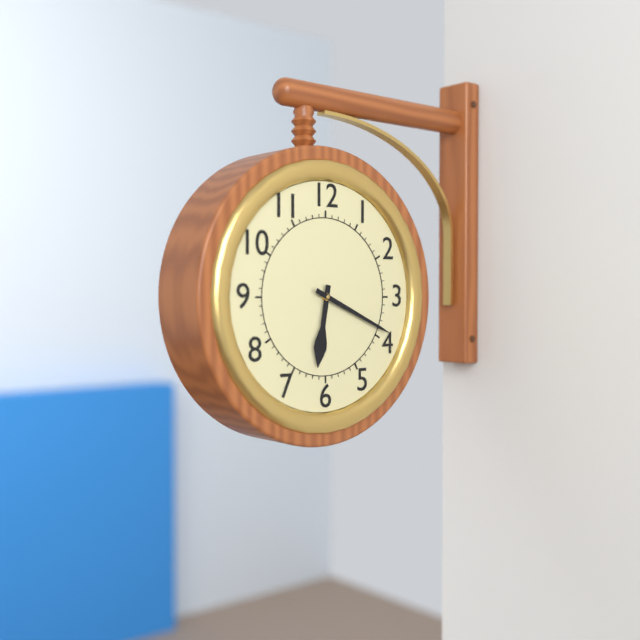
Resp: {"hour": 6, "minute": 19}
